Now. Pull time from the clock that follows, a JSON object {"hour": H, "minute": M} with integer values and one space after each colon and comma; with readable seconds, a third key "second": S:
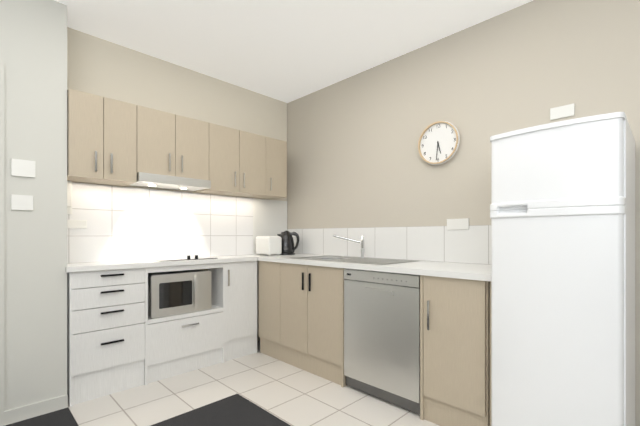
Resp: {"hour": 5, "minute": 31}
